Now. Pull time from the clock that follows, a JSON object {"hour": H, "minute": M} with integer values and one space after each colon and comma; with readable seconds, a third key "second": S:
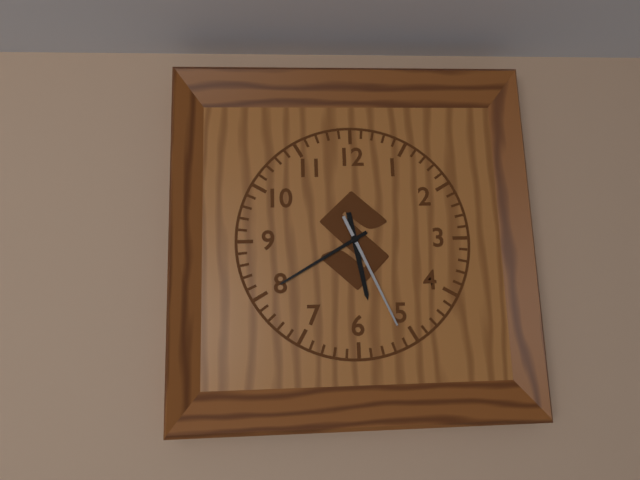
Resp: {"hour": 5, "minute": 40, "second": 26}
